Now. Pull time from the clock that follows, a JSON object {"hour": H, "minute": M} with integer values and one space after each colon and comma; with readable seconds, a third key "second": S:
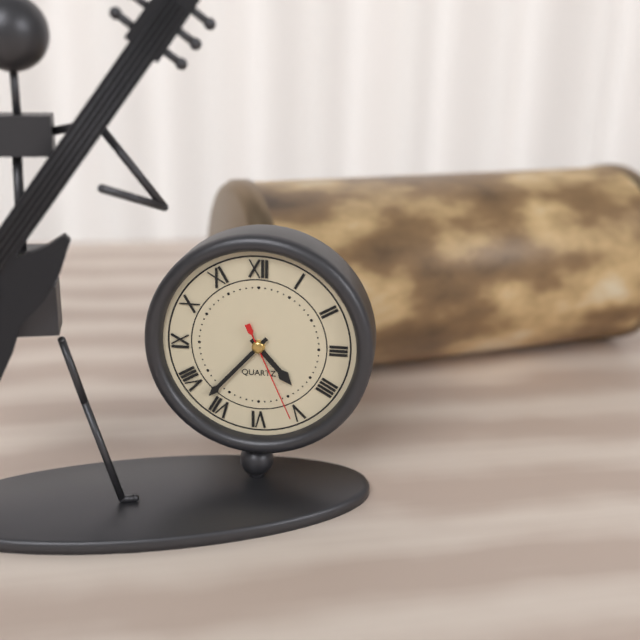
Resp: {"hour": 4, "minute": 37, "second": 26}
